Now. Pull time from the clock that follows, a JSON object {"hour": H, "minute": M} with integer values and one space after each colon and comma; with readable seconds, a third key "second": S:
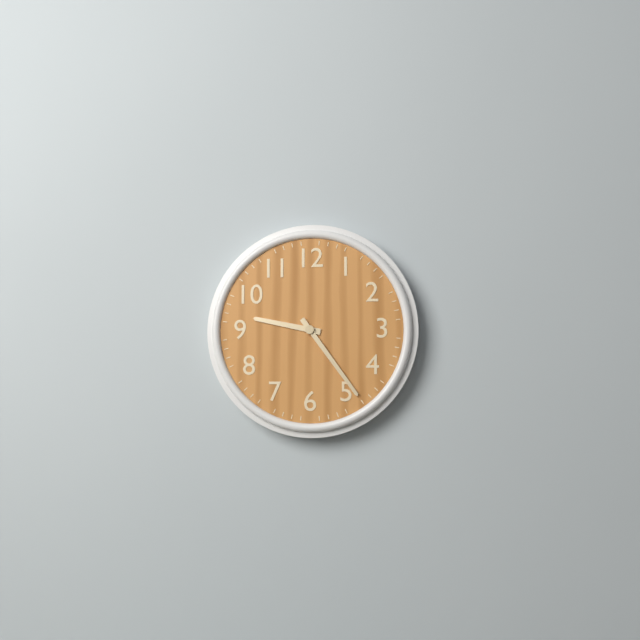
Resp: {"hour": 9, "minute": 24}
